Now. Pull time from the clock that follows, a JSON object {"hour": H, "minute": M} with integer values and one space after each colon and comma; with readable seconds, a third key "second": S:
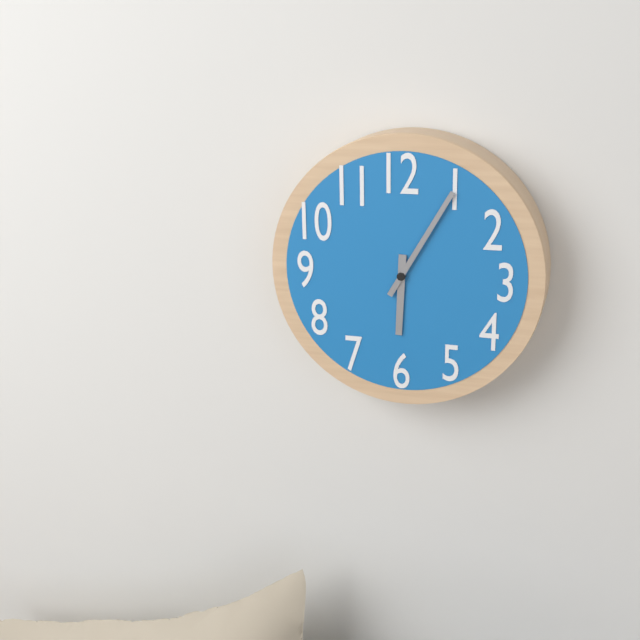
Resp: {"hour": 6, "minute": 5}
